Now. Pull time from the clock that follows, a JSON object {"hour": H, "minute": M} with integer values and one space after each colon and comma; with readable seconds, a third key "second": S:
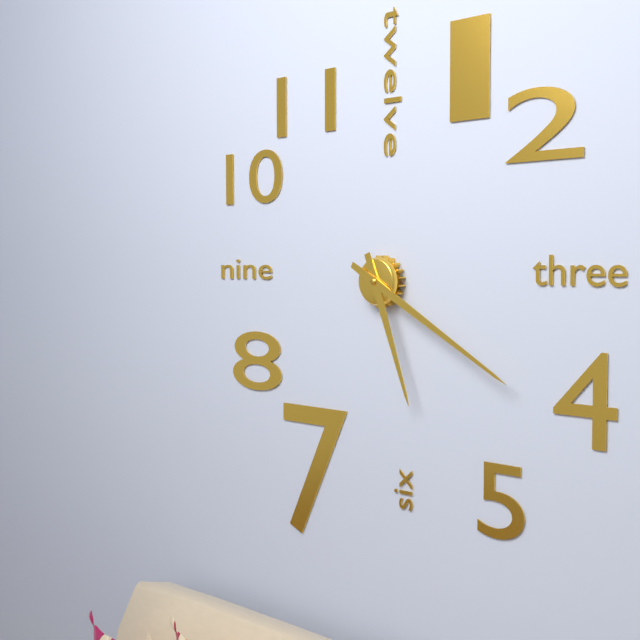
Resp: {"hour": 5, "minute": 20}
